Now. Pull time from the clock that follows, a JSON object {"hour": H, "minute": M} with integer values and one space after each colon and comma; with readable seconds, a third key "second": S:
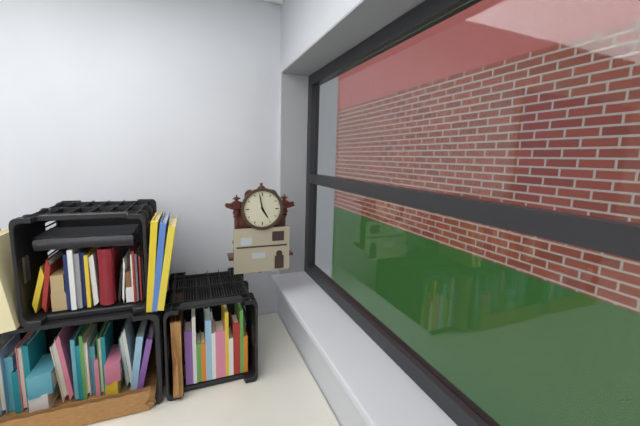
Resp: {"hour": 4, "minute": 58}
